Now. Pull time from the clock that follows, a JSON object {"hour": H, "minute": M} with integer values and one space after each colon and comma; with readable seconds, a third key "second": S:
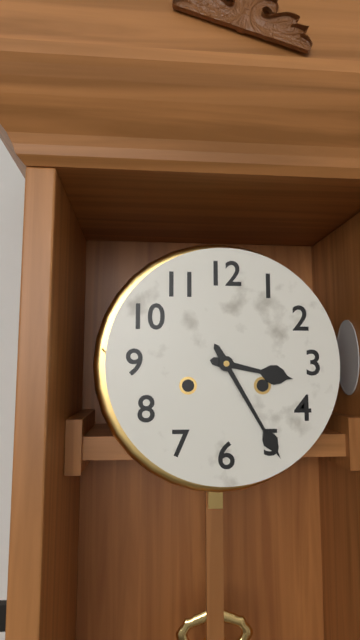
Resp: {"hour": 3, "minute": 25}
